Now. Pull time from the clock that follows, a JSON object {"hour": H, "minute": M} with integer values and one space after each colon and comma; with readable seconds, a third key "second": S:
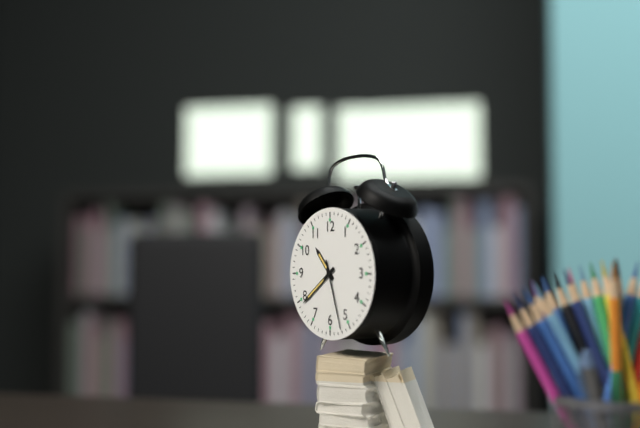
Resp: {"hour": 10, "minute": 39, "second": 27}
